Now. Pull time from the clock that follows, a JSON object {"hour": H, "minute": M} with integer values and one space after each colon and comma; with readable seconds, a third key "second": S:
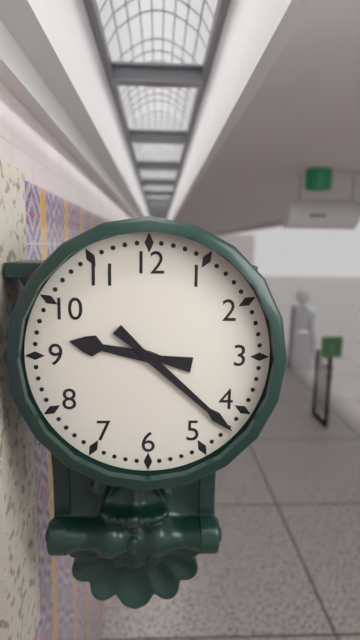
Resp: {"hour": 9, "minute": 22}
